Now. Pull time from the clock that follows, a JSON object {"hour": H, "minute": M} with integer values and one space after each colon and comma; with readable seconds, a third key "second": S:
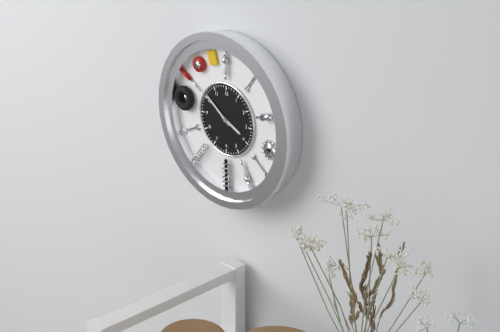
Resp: {"hour": 3, "minute": 51}
